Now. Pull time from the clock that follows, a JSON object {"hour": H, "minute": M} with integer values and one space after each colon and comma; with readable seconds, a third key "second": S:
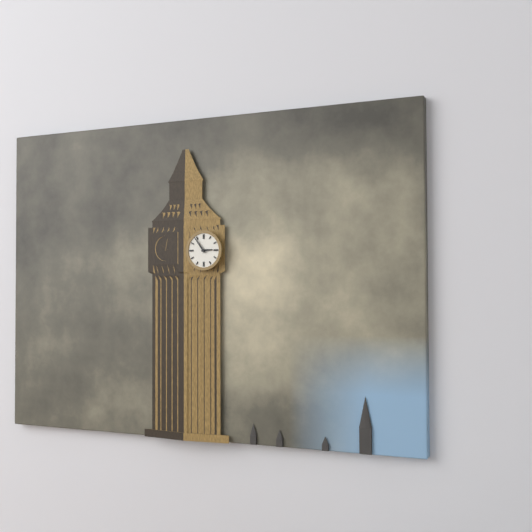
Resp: {"hour": 2, "minute": 54}
